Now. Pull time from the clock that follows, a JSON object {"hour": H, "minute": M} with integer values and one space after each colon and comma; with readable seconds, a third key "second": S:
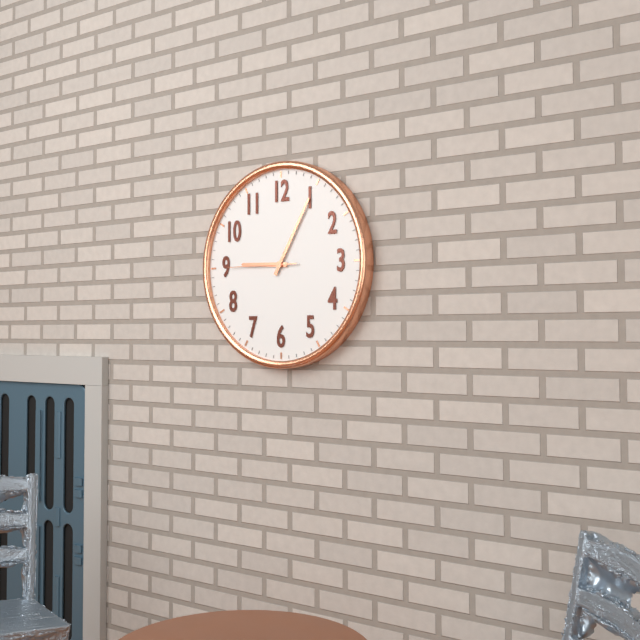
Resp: {"hour": 9, "minute": 5, "second": 45}
